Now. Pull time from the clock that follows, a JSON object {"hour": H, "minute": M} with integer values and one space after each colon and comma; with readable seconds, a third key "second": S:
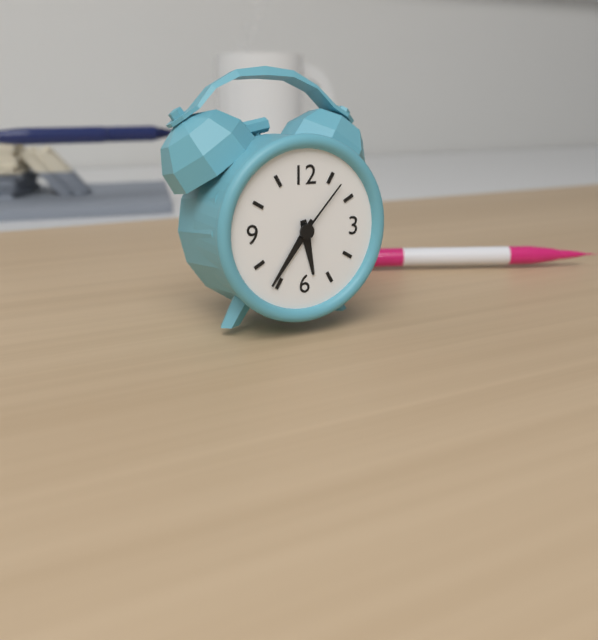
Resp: {"hour": 5, "minute": 36, "second": 7}
